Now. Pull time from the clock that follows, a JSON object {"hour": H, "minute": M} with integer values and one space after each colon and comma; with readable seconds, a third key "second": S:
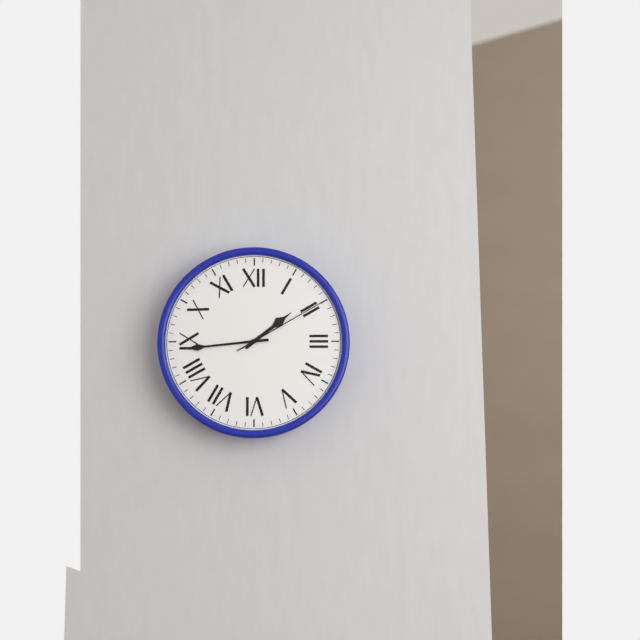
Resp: {"hour": 1, "minute": 44, "second": 10}
